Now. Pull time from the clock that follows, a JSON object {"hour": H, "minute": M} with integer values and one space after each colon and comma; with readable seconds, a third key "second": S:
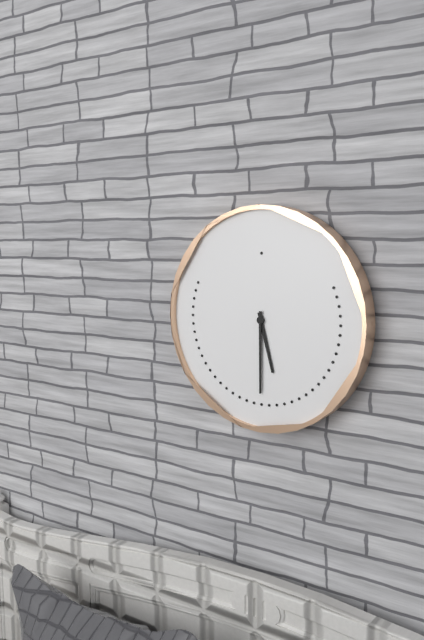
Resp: {"hour": 5, "minute": 30}
